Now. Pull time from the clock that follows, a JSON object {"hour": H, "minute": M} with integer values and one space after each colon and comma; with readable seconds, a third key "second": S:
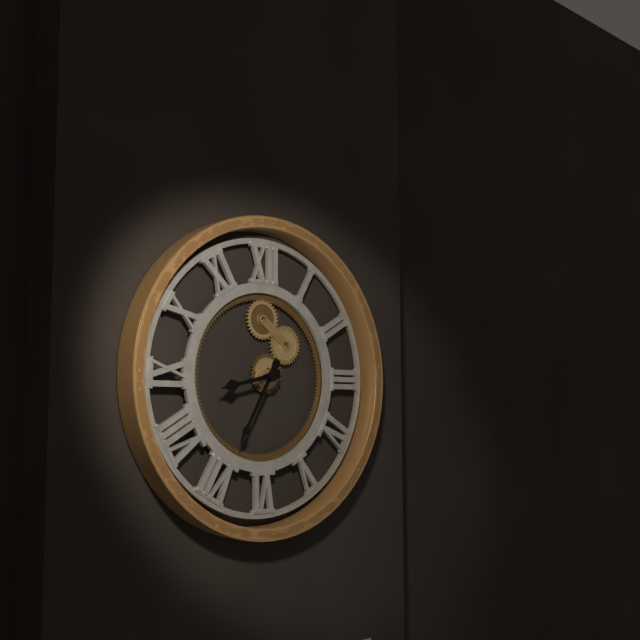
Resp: {"hour": 8, "minute": 35}
